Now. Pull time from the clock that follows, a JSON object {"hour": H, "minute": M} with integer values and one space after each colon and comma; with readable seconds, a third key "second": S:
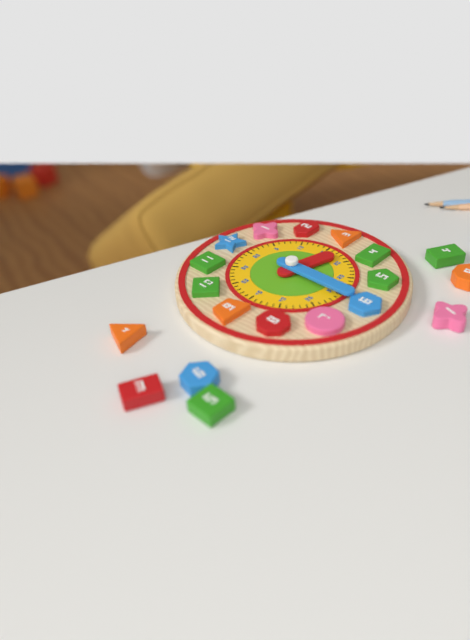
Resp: {"hour": 3, "minute": 30}
